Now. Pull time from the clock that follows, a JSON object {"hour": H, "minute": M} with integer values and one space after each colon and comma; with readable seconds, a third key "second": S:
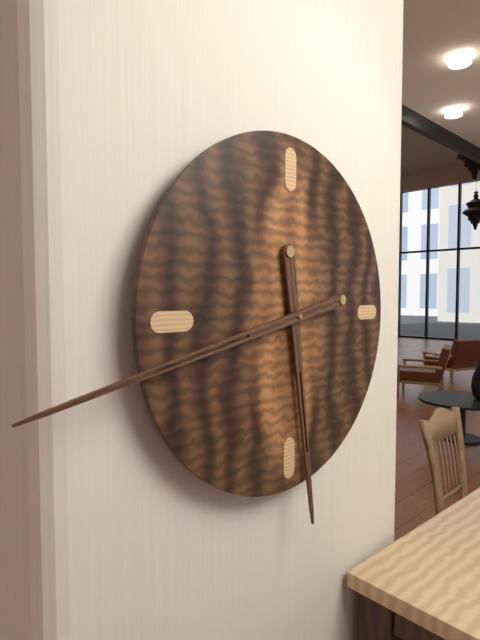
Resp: {"hour": 5, "minute": 43}
